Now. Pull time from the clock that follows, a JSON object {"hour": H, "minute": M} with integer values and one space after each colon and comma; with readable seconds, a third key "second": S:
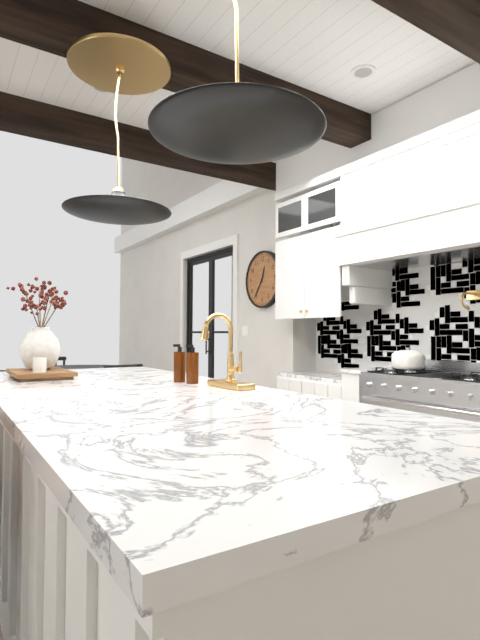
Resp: {"hour": 12, "minute": 36}
